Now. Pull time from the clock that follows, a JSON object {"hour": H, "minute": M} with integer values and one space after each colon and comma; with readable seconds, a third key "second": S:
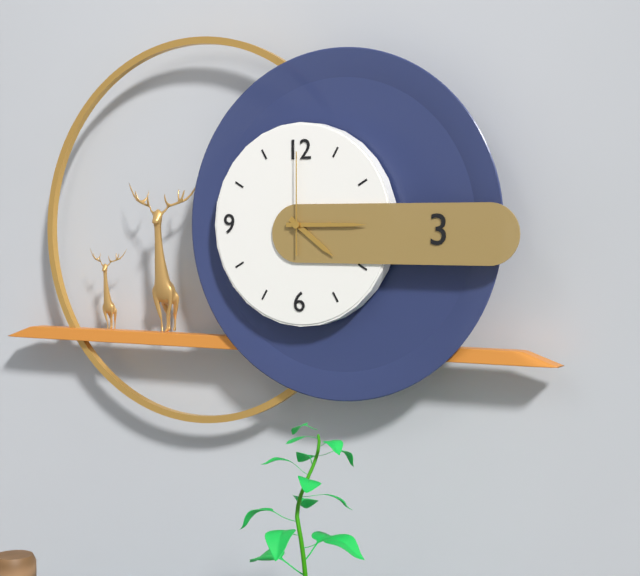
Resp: {"hour": 4, "minute": 15, "second": 0}
